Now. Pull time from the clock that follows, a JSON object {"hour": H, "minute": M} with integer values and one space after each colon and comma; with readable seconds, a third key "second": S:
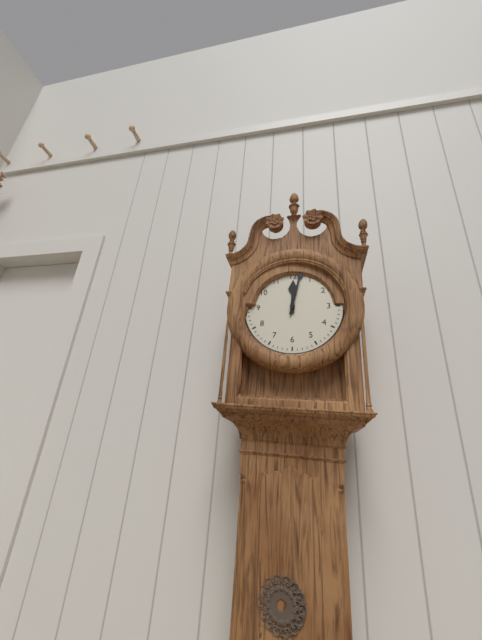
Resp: {"hour": 12, "minute": 2}
